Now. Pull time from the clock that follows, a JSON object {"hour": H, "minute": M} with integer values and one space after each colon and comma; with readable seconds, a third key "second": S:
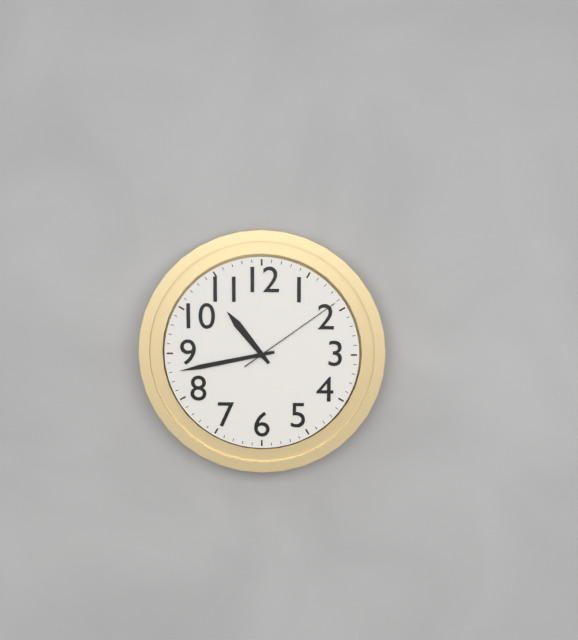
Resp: {"hour": 10, "minute": 43, "second": 9}
